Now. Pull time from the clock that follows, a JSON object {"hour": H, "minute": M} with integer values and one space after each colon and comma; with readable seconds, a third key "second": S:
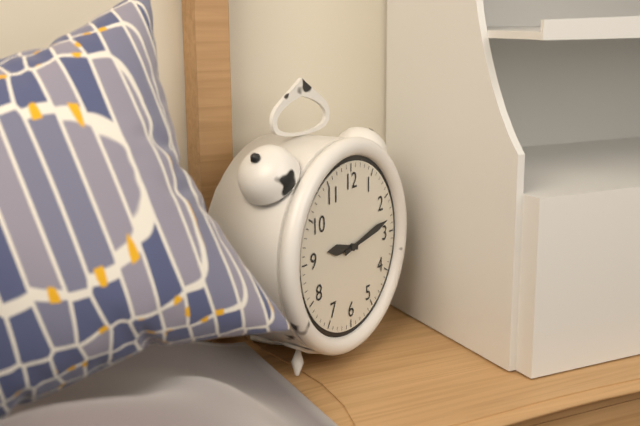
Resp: {"hour": 9, "minute": 13}
